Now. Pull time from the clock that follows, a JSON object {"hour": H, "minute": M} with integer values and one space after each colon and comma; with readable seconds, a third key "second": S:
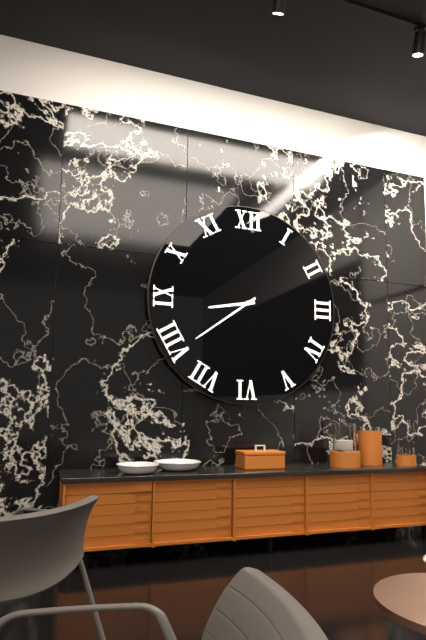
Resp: {"hour": 8, "minute": 39}
